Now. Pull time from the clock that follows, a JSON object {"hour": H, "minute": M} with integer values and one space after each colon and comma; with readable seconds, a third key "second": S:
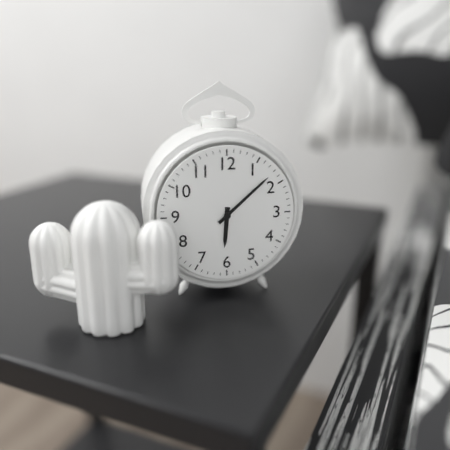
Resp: {"hour": 6, "minute": 8}
